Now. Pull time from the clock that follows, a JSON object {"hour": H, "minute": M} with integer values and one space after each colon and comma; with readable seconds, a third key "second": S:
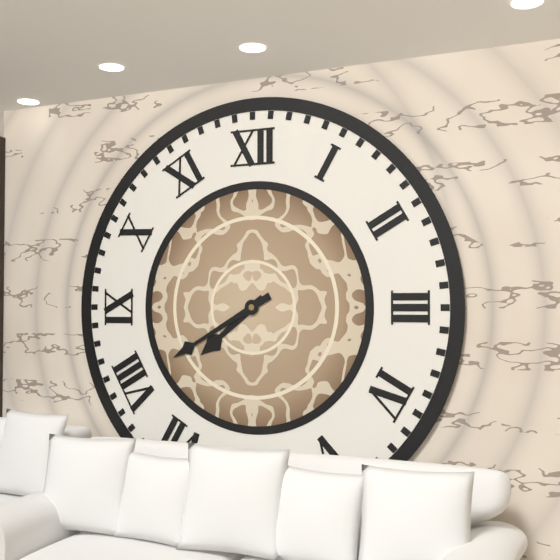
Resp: {"hour": 7, "minute": 40}
